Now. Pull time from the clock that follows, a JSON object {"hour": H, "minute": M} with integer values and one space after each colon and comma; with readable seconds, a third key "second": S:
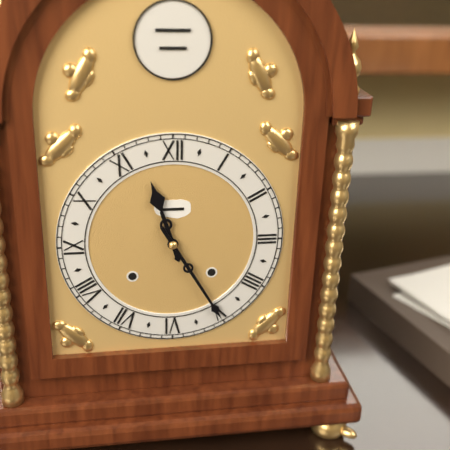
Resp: {"hour": 11, "minute": 25}
